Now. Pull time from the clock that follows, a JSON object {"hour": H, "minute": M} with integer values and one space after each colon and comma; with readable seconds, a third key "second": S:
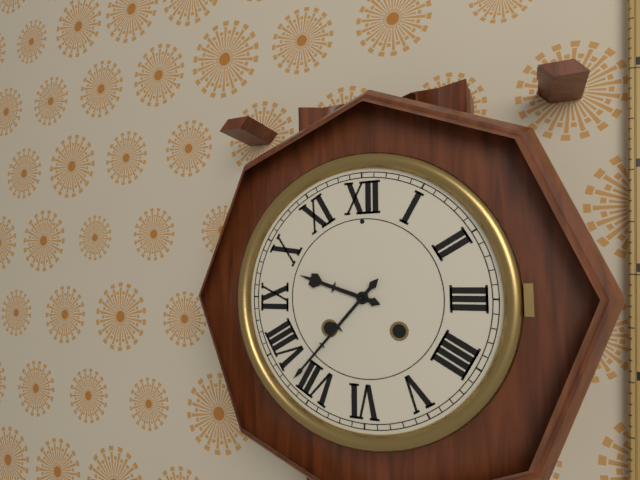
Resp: {"hour": 9, "minute": 37}
